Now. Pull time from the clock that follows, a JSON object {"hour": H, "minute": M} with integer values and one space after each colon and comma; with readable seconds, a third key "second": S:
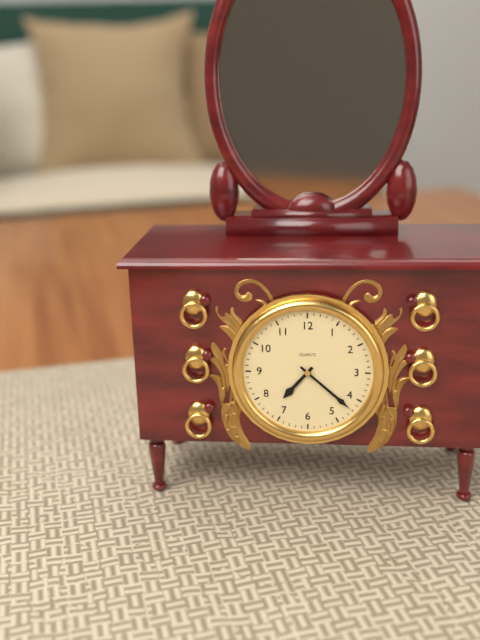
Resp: {"hour": 7, "minute": 22}
